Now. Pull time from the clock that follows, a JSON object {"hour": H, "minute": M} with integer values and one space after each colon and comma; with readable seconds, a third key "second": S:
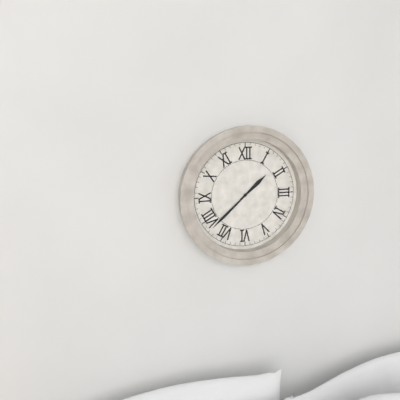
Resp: {"hour": 1, "minute": 38}
